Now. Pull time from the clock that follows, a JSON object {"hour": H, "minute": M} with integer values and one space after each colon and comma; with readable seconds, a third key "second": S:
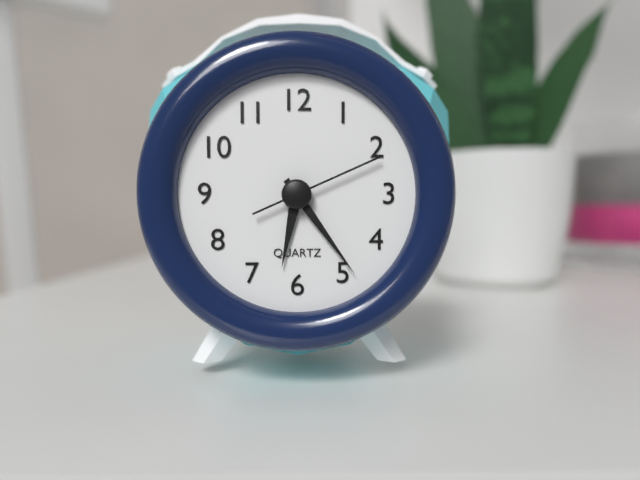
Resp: {"hour": 6, "minute": 24, "second": 11}
